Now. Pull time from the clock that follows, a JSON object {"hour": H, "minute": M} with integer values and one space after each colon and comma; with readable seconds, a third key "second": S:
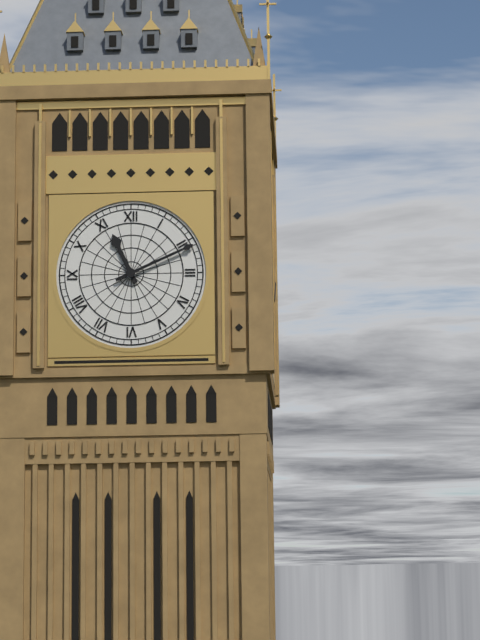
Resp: {"hour": 11, "minute": 11}
